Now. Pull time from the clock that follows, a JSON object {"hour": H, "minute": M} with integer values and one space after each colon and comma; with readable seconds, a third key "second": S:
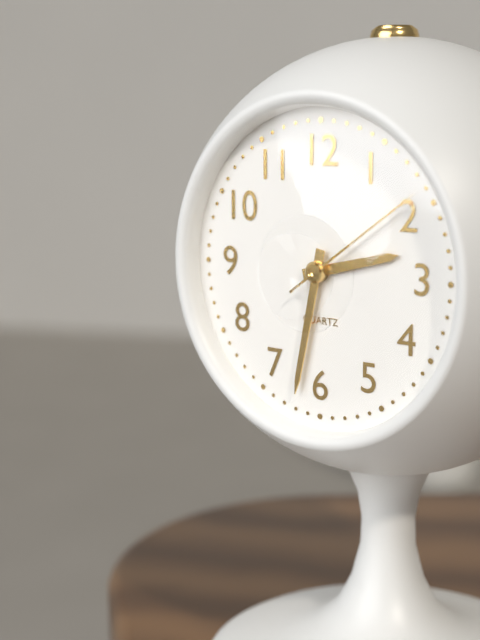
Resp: {"hour": 2, "minute": 32, "second": 9}
